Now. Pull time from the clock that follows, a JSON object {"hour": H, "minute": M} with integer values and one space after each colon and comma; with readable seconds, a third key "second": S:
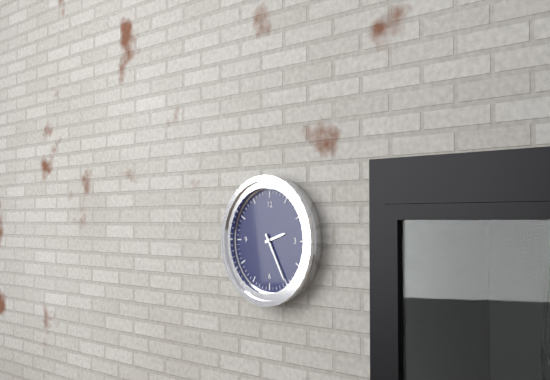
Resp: {"hour": 2, "minute": 25}
